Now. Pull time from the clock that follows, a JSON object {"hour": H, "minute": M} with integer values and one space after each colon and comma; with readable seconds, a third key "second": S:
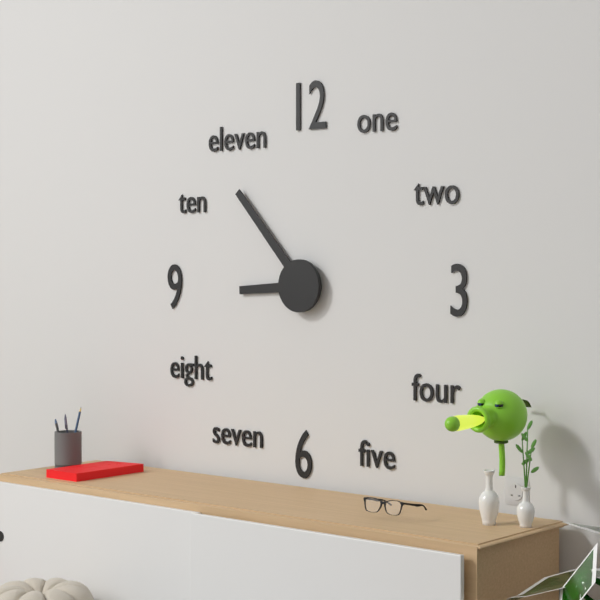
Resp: {"hour": 8, "minute": 53}
